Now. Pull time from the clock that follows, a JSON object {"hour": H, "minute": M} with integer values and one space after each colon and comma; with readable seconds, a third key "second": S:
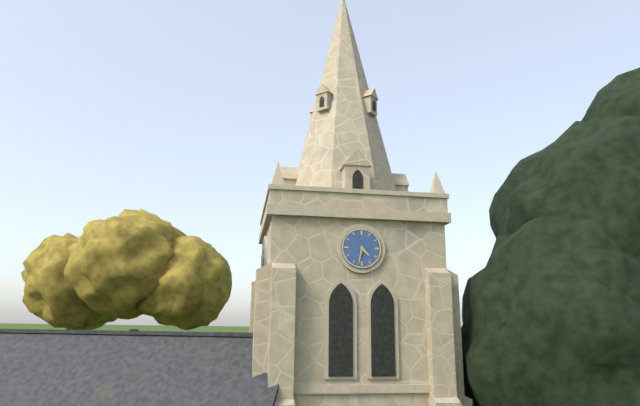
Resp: {"hour": 4, "minute": 32}
